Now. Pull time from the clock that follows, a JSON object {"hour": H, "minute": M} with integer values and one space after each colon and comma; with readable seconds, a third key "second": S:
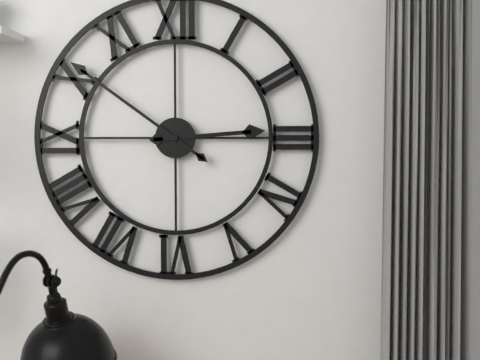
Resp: {"hour": 2, "minute": 51}
